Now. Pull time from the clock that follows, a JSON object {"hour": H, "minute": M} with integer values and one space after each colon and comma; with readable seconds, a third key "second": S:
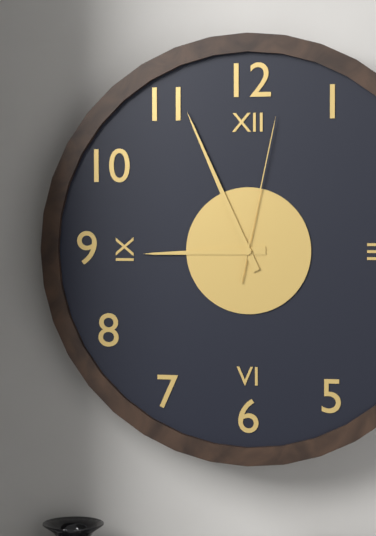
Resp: {"hour": 8, "minute": 56, "second": 2}
